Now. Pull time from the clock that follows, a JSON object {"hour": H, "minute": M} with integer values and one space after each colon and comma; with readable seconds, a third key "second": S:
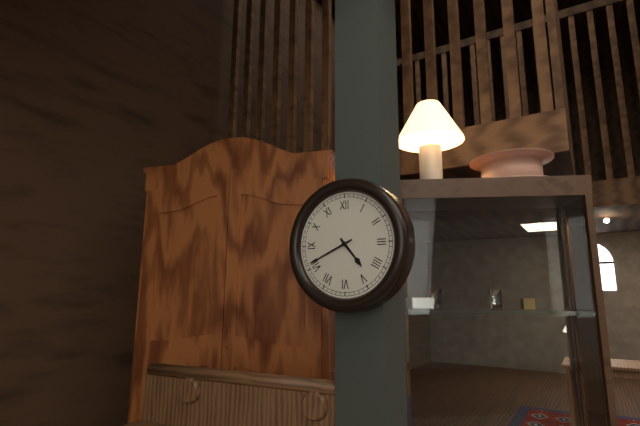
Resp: {"hour": 4, "minute": 41}
